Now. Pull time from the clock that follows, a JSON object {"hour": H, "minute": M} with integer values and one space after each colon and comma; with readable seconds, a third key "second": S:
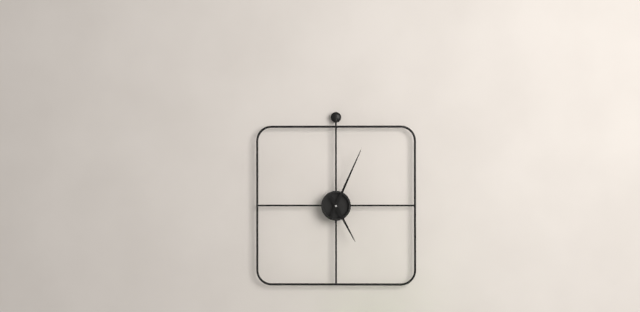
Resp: {"hour": 5, "minute": 4}
